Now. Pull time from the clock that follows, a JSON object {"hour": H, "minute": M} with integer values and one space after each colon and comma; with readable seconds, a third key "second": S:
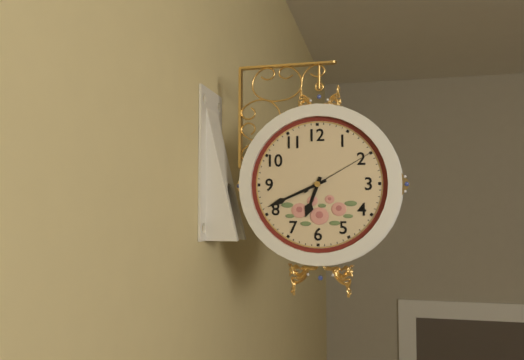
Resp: {"hour": 6, "minute": 41, "second": 10}
